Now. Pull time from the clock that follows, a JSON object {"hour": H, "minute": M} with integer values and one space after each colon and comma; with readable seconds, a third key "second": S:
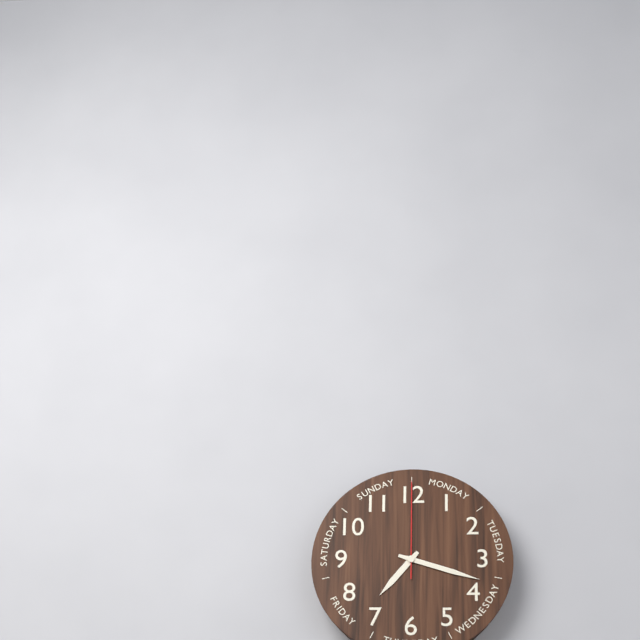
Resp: {"hour": 7, "minute": 18, "second": 0}
